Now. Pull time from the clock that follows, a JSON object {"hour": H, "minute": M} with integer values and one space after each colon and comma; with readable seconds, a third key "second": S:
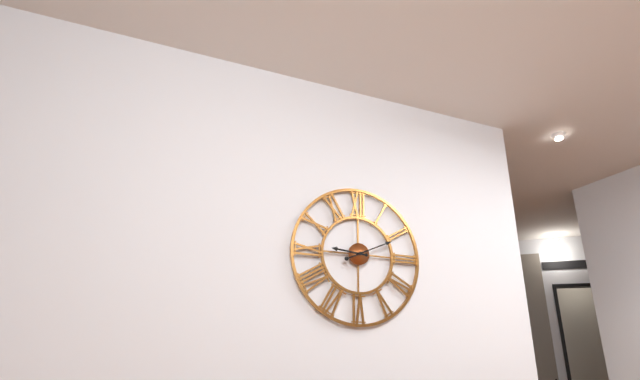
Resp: {"hour": 9, "minute": 11}
